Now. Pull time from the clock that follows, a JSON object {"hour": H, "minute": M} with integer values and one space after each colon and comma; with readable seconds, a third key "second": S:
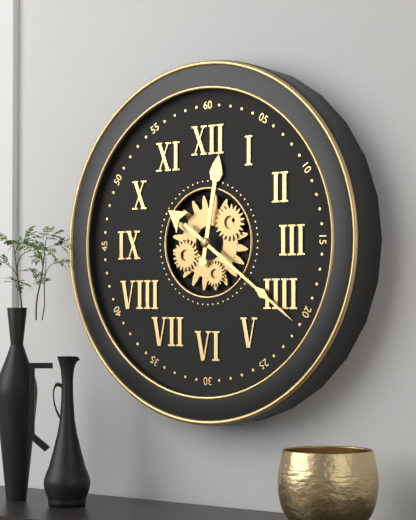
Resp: {"hour": 12, "minute": 21}
